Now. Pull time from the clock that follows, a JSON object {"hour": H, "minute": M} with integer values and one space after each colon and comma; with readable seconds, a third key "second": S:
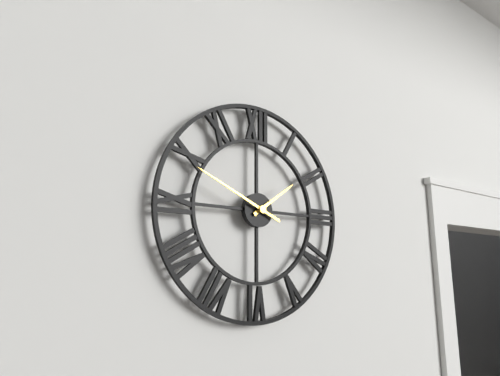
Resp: {"hour": 1, "minute": 49}
